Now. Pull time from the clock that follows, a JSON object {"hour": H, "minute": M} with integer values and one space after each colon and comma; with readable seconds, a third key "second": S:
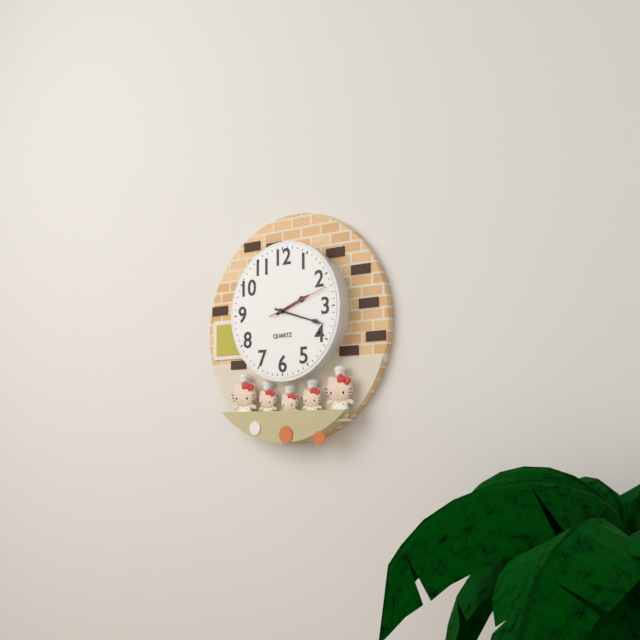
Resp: {"hour": 2, "minute": 18, "second": 12}
